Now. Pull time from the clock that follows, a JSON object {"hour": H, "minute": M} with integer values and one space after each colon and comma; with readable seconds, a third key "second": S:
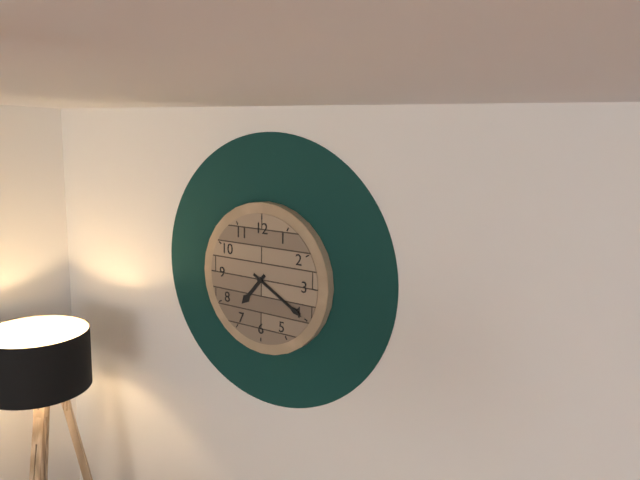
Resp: {"hour": 7, "minute": 20}
